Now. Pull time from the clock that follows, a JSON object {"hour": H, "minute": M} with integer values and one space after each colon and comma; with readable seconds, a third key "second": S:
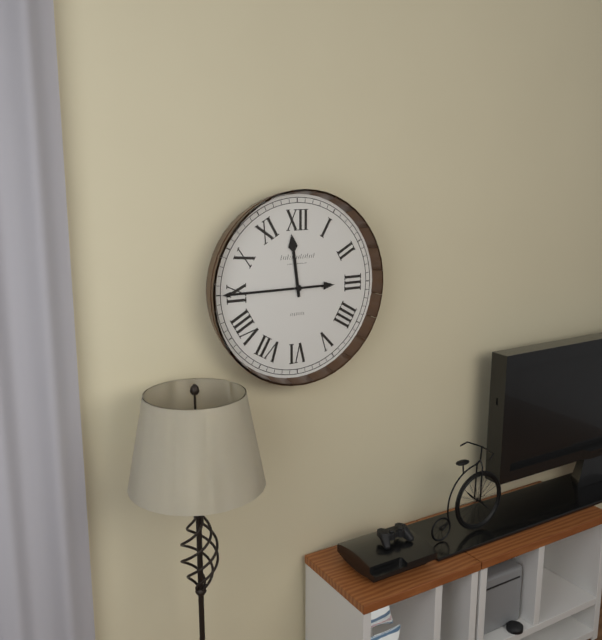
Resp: {"hour": 11, "minute": 45}
